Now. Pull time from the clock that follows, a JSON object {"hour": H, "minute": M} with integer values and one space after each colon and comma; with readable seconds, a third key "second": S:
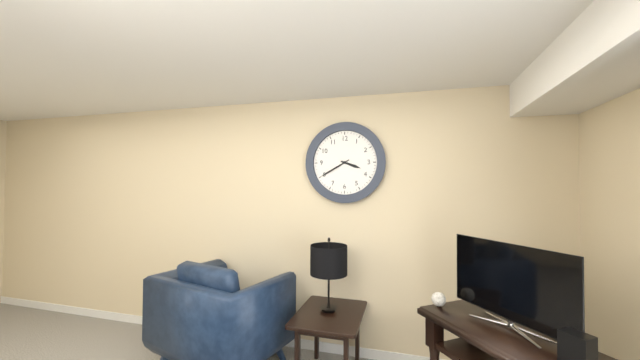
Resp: {"hour": 3, "minute": 40}
